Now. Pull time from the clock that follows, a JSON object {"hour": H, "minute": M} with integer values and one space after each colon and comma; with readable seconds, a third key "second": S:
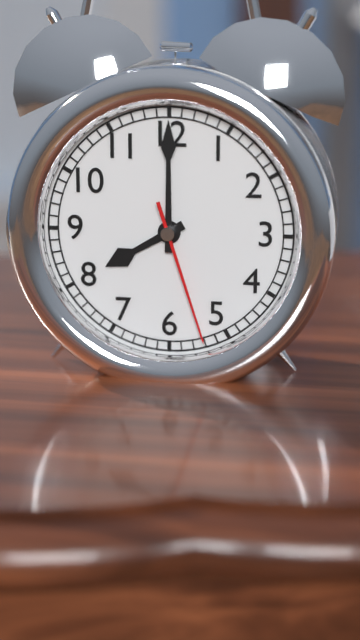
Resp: {"hour": 8, "minute": 0, "second": 27}
